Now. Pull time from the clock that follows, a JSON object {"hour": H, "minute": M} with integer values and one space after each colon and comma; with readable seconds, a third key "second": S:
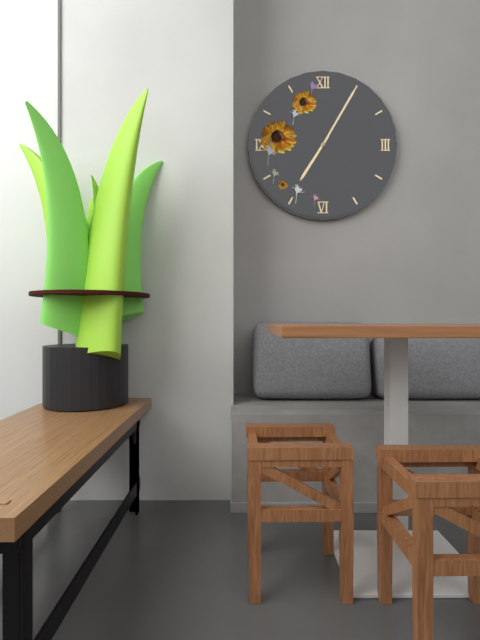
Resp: {"hour": 7, "minute": 5}
